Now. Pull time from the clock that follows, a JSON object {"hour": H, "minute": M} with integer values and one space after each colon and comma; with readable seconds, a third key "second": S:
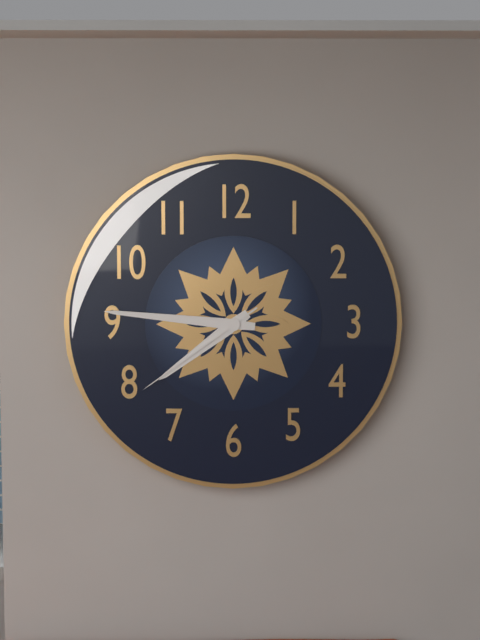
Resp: {"hour": 7, "minute": 46, "second": 39}
